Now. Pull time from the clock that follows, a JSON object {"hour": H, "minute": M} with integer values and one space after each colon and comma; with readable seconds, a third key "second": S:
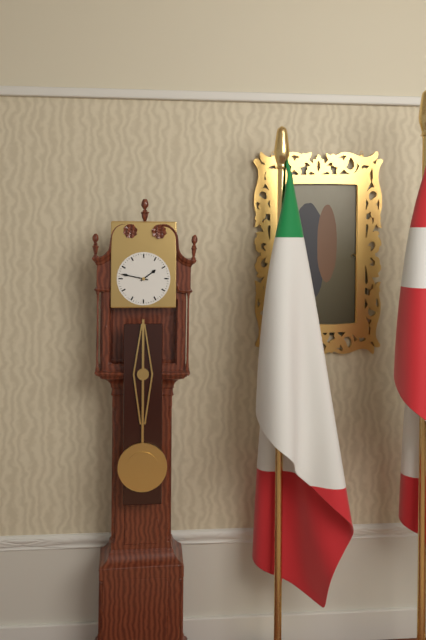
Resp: {"hour": 1, "minute": 47}
